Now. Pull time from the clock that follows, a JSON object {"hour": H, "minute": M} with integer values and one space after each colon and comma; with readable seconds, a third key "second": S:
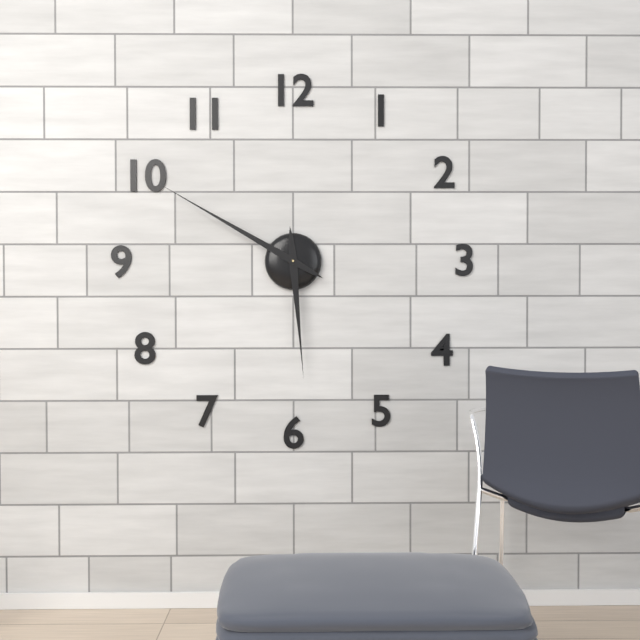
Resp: {"hour": 5, "minute": 50}
